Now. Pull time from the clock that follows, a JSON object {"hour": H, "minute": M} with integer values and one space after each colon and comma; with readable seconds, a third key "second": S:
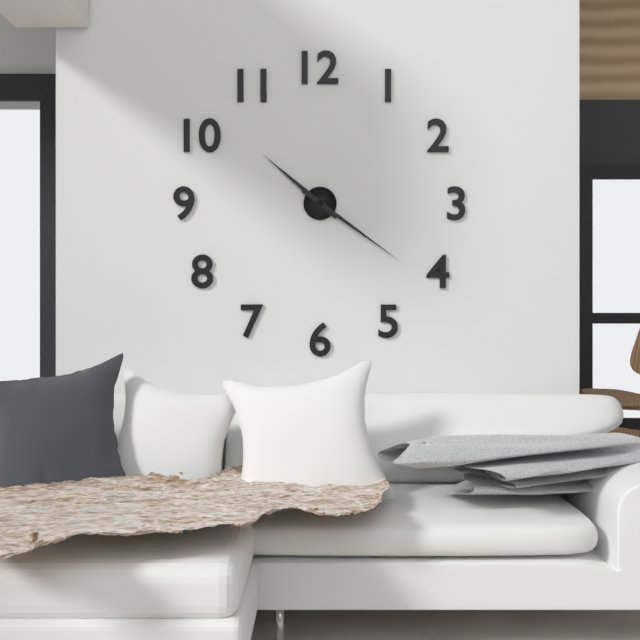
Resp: {"hour": 10, "minute": 21}
